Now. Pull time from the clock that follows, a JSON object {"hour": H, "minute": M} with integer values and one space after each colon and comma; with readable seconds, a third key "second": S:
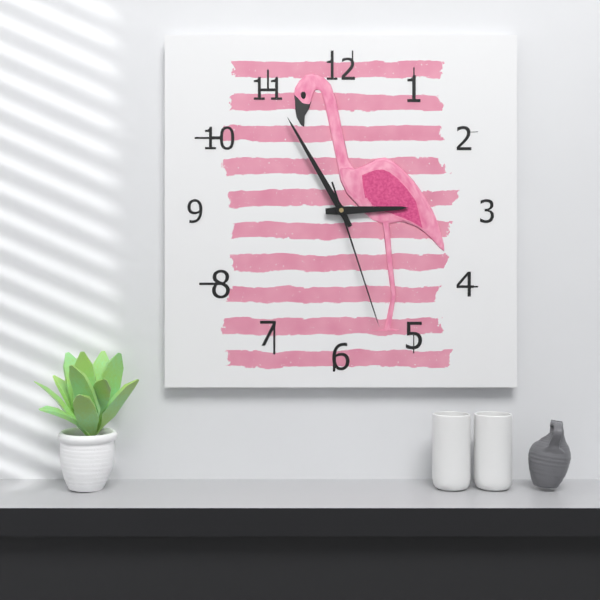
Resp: {"hour": 2, "minute": 55, "second": 27}
